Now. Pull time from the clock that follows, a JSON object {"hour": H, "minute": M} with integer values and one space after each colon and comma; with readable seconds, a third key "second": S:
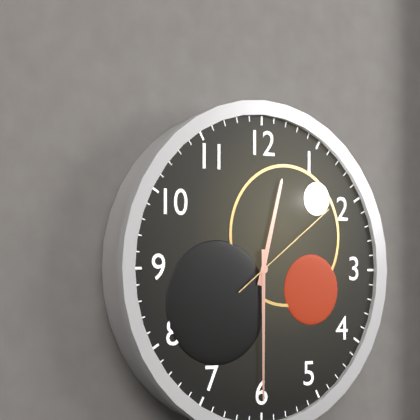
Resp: {"hour": 12, "minute": 30, "second": 9}
